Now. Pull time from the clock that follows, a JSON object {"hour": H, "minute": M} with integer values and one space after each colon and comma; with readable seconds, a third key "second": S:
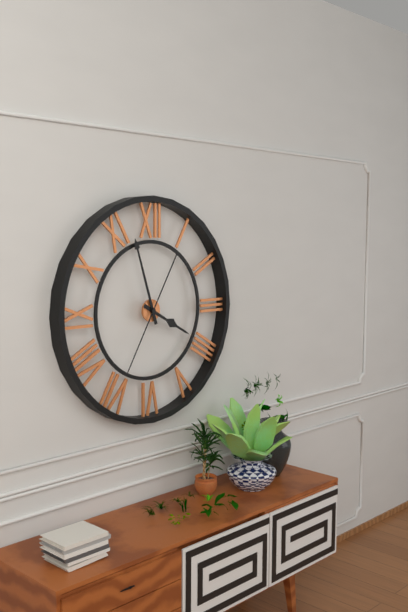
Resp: {"hour": 3, "minute": 57, "second": 35}
